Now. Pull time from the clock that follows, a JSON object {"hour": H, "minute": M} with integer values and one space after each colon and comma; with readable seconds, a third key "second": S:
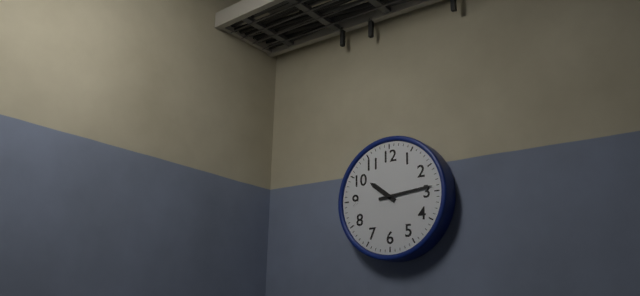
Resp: {"hour": 10, "minute": 14}
